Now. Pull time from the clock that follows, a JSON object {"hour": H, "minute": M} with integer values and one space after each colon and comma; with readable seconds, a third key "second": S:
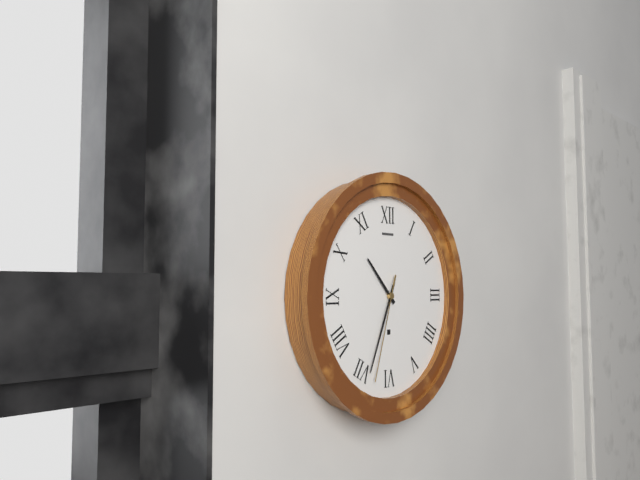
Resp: {"hour": 10, "minute": 34, "second": 33}
